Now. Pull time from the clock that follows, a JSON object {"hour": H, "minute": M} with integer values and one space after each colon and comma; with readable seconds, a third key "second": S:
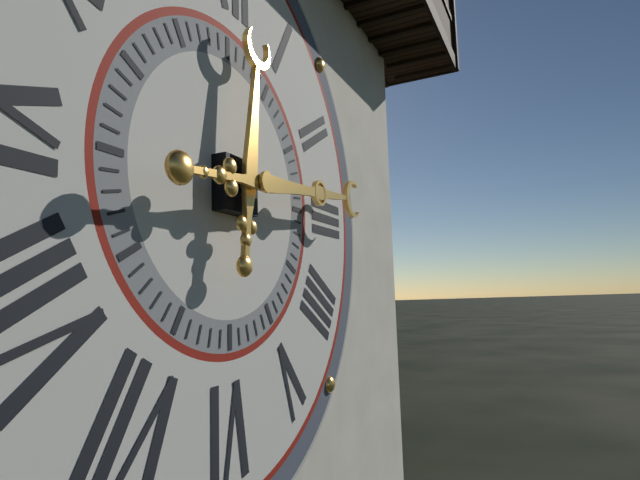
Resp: {"hour": 12, "minute": 14}
